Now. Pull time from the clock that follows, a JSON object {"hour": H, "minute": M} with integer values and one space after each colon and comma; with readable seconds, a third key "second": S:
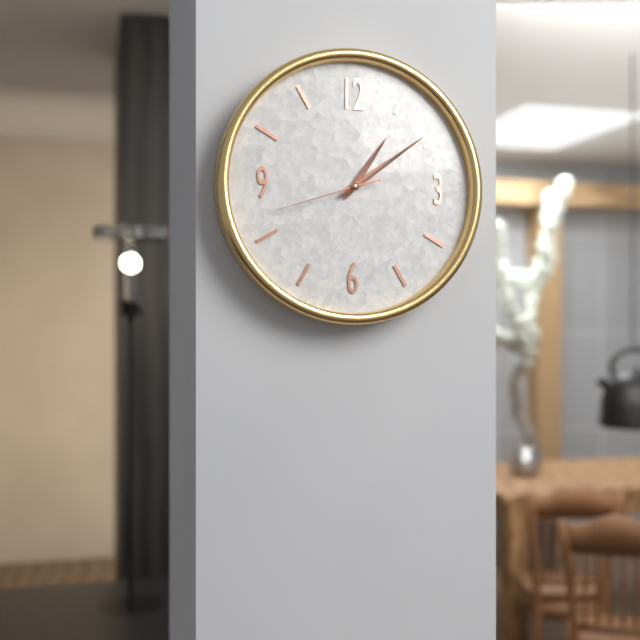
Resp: {"hour": 1, "minute": 9, "second": 42}
